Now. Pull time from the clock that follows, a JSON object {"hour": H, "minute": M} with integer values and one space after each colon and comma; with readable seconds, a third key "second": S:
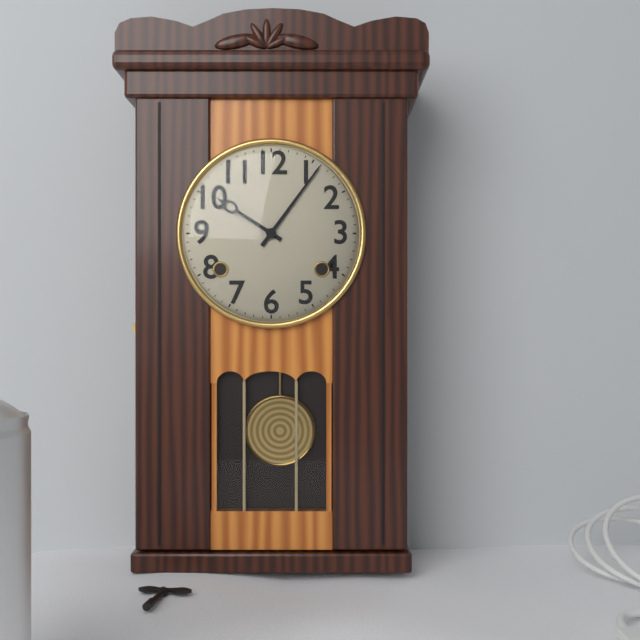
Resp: {"hour": 10, "minute": 6}
